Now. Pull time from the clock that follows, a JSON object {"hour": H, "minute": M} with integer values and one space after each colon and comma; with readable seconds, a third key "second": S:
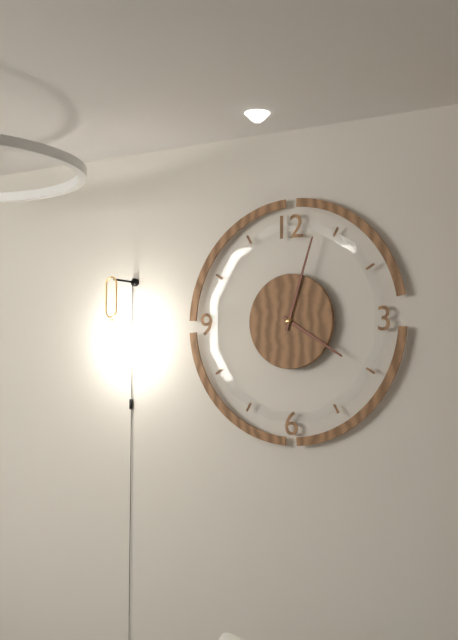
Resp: {"hour": 4, "minute": 3}
